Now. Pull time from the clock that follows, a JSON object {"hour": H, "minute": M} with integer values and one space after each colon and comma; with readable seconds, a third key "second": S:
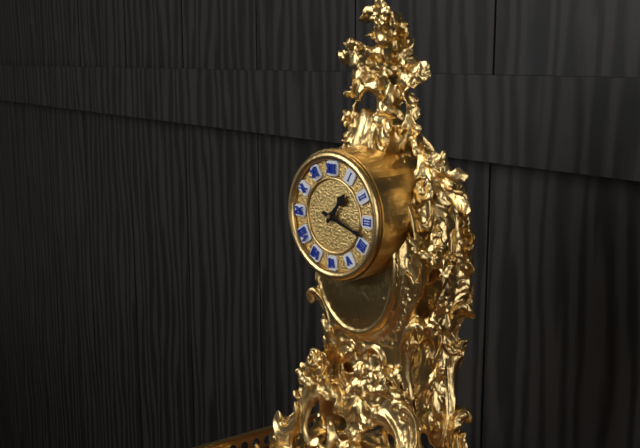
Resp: {"hour": 1, "minute": 18}
